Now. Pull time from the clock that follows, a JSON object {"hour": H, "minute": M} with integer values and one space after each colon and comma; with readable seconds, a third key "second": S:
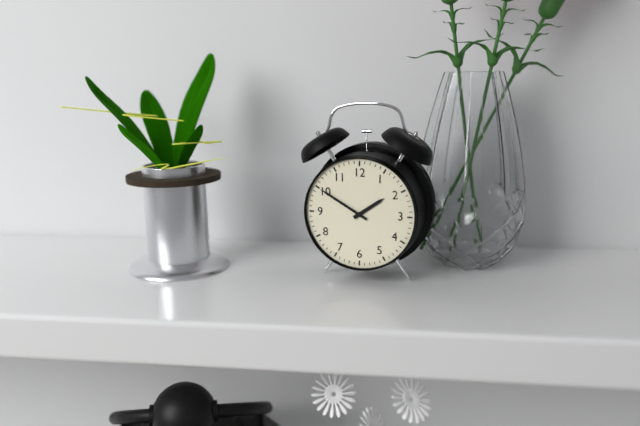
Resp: {"hour": 1, "minute": 50}
